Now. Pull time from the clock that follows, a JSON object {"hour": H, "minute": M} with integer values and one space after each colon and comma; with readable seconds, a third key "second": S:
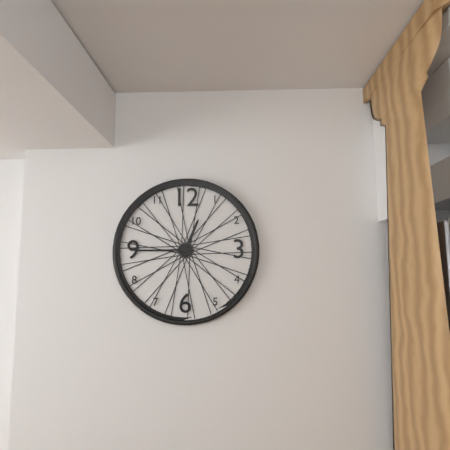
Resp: {"hour": 12, "minute": 45}
